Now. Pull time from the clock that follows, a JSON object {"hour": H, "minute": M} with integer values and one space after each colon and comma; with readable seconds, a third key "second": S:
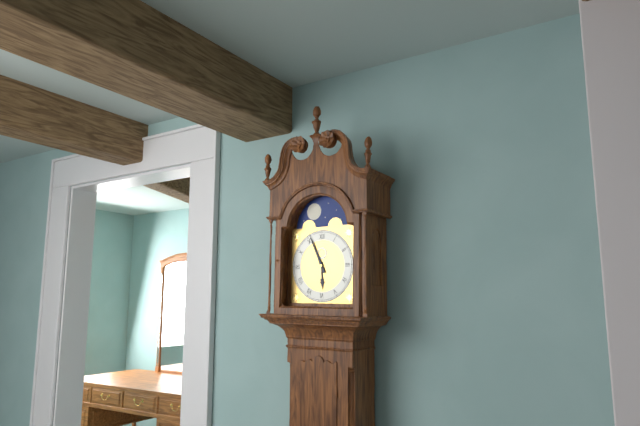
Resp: {"hour": 5, "minute": 56}
